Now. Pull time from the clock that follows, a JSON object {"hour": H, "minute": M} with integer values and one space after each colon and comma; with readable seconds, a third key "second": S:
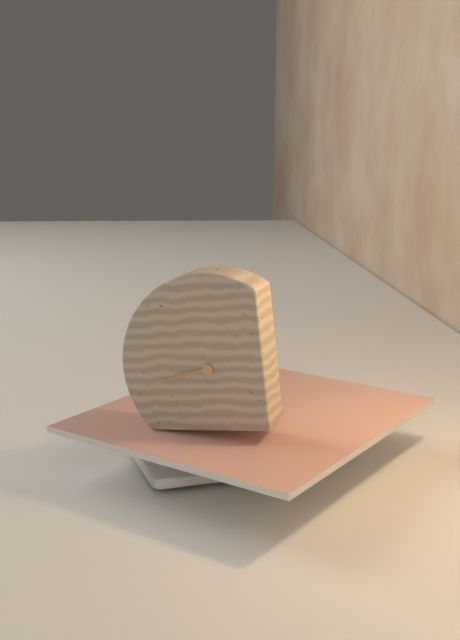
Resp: {"hour": 8, "minute": 43}
